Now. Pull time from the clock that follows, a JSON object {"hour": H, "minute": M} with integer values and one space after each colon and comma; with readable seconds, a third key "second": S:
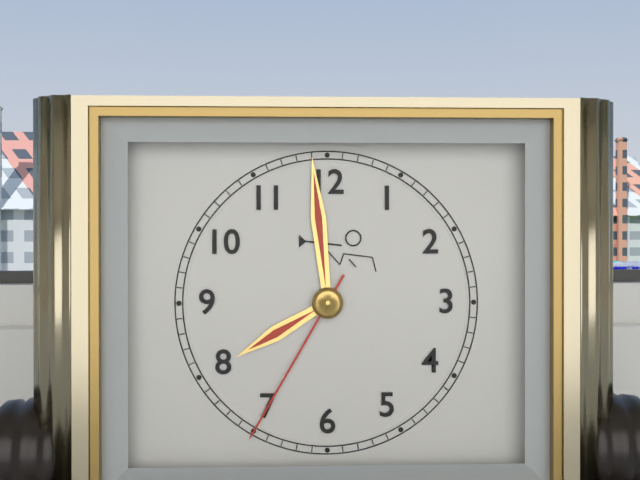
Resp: {"hour": 7, "minute": 59, "second": 35}
